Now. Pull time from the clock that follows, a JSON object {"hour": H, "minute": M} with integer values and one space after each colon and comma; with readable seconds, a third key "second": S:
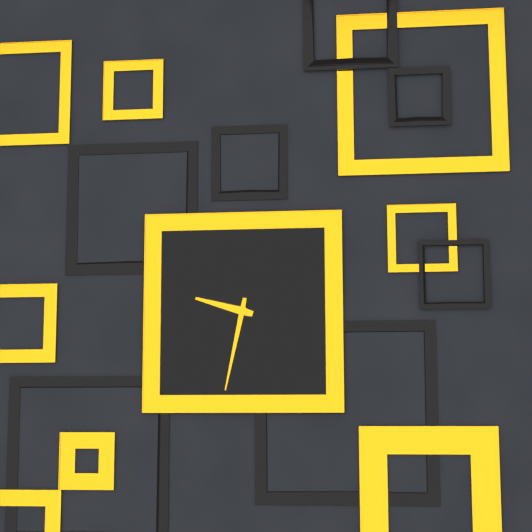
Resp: {"hour": 9, "minute": 32}
